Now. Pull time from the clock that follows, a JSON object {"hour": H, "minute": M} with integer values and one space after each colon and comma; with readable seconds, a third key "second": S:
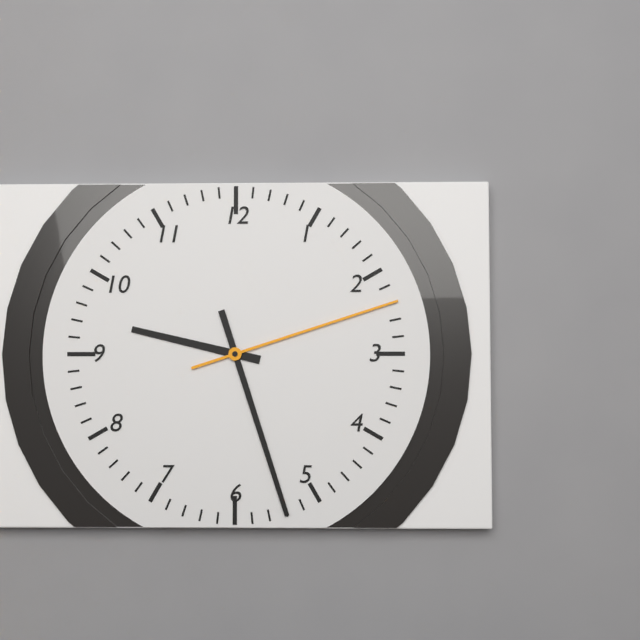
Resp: {"hour": 9, "minute": 27, "second": 12}
